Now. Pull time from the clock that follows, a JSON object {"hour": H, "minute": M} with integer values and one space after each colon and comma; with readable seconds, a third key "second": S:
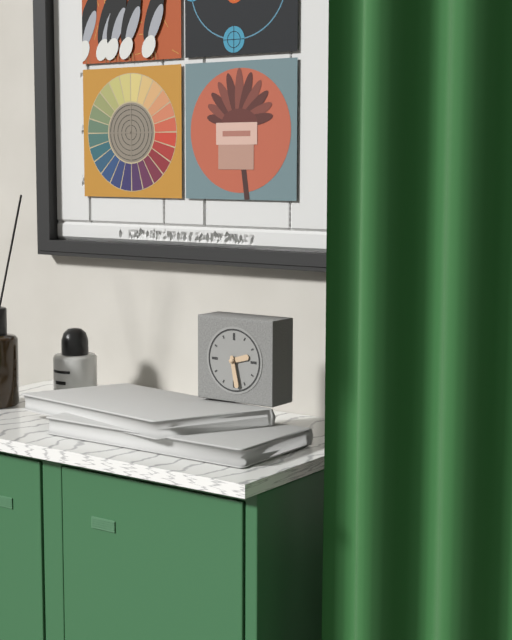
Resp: {"hour": 2, "minute": 28}
